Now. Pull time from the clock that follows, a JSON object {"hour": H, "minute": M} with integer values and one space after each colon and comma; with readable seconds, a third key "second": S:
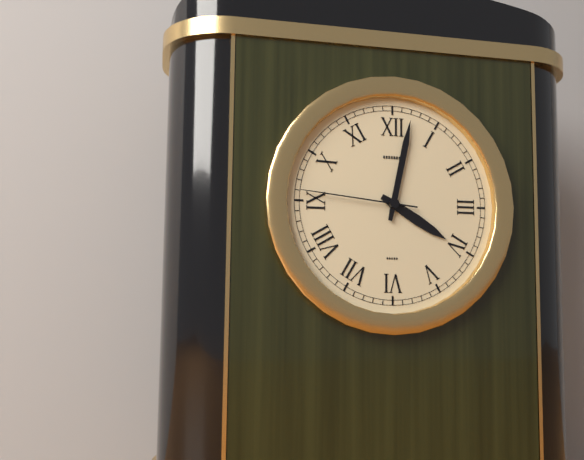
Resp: {"hour": 4, "minute": 2, "second": 46}
